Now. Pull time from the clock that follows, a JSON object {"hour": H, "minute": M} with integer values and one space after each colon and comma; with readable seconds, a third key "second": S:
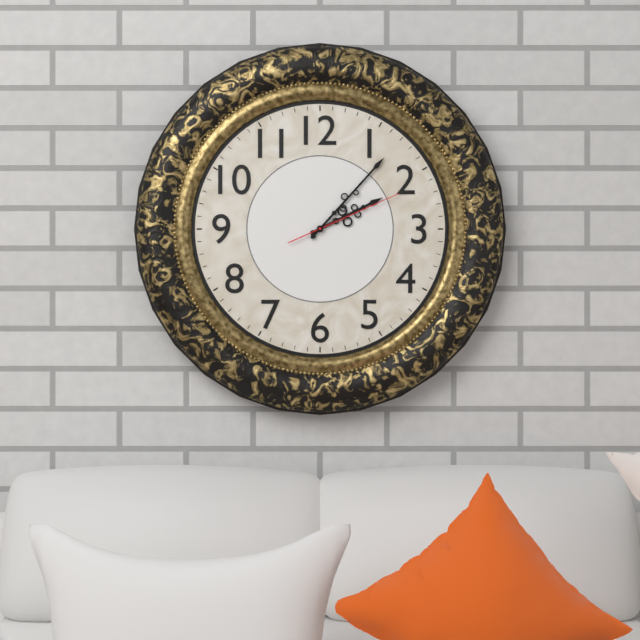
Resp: {"hour": 2, "minute": 7, "second": 11}
